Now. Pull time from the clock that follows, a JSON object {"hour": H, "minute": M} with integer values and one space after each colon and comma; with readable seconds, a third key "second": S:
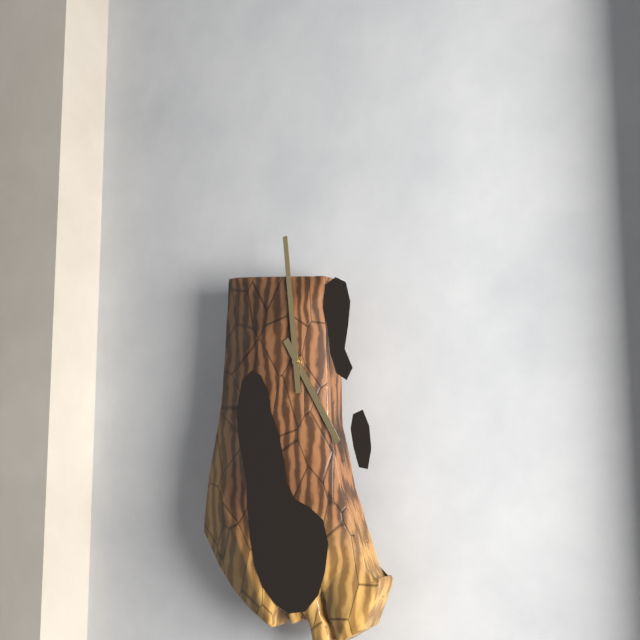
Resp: {"hour": 4, "minute": 59}
